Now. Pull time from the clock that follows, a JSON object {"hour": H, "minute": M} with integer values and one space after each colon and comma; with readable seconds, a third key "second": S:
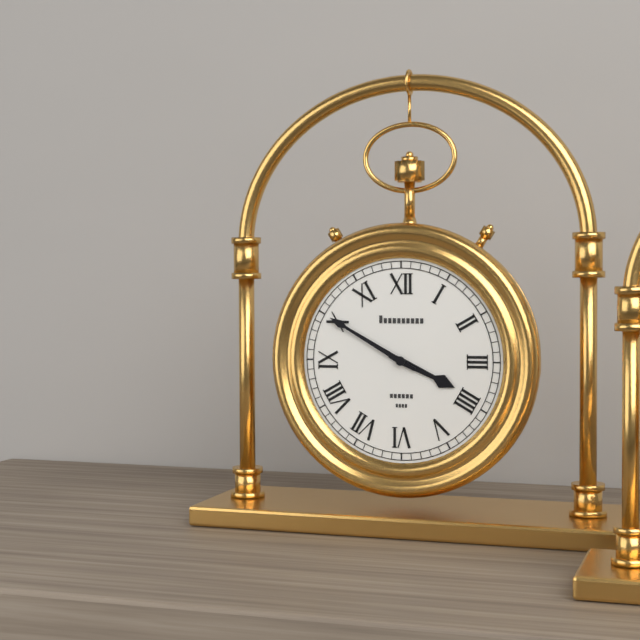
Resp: {"hour": 3, "minute": 50}
